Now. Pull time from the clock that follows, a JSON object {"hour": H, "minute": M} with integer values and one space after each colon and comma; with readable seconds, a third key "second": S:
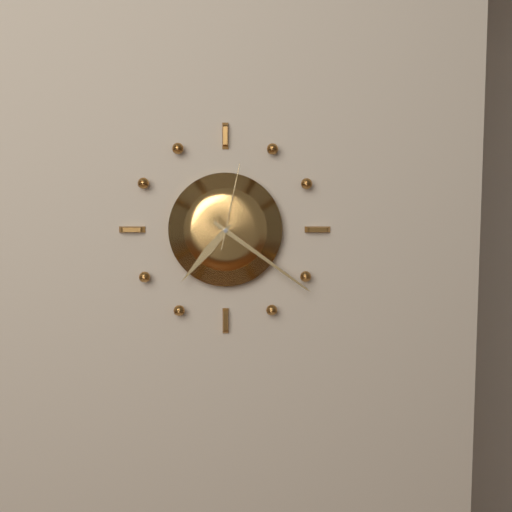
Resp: {"hour": 7, "minute": 21, "second": 2}
